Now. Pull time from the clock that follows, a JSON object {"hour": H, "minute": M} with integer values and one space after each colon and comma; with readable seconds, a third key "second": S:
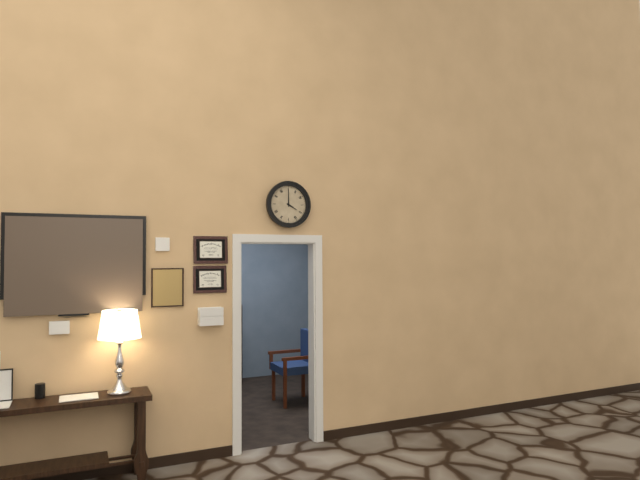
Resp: {"hour": 4, "minute": 0}
